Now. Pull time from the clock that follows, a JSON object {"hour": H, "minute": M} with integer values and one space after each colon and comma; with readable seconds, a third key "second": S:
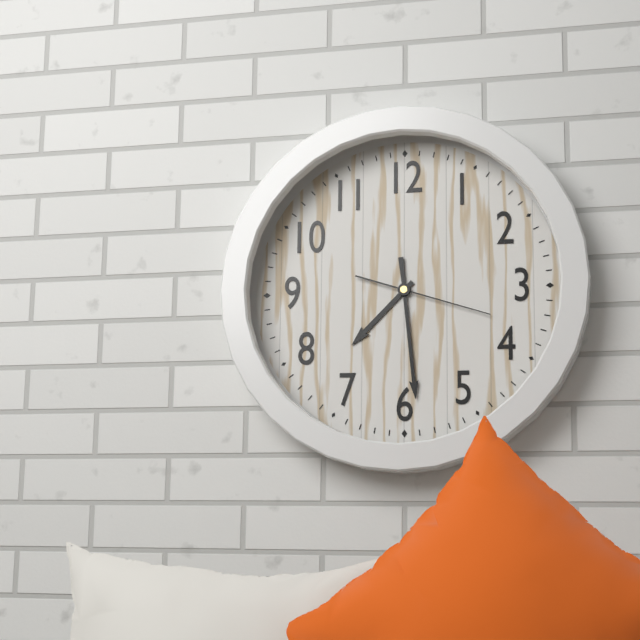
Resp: {"hour": 7, "minute": 29, "second": 18}
